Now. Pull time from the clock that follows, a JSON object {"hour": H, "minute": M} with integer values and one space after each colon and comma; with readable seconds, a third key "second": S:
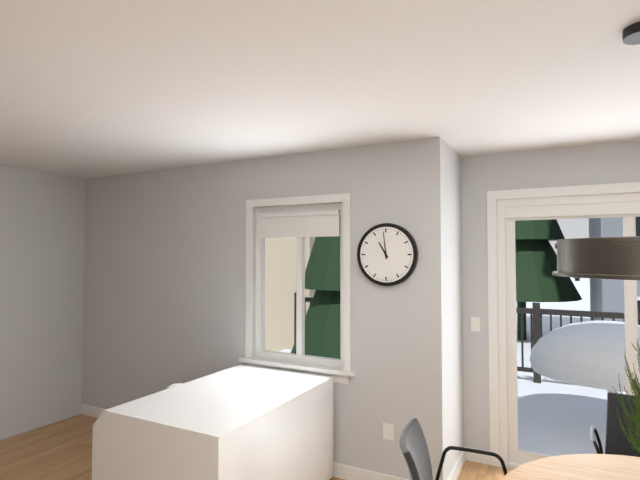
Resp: {"hour": 10, "minute": 59}
